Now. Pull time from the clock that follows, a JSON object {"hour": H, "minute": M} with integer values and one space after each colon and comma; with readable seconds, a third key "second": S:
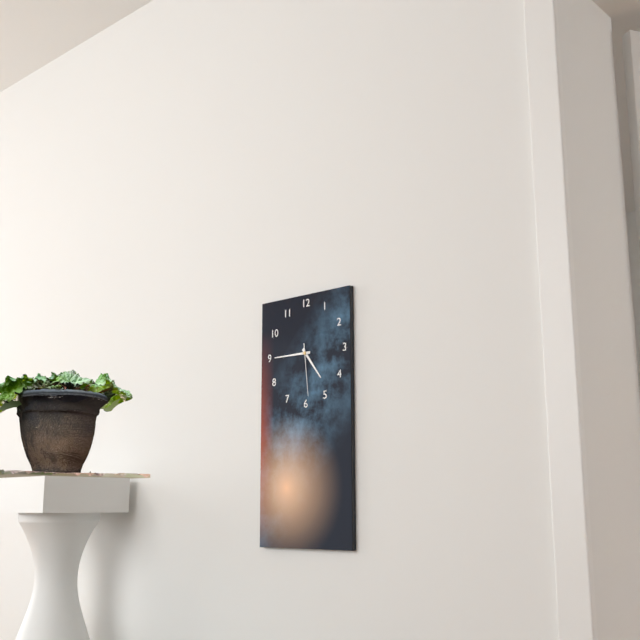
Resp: {"hour": 4, "minute": 45, "second": 29}
